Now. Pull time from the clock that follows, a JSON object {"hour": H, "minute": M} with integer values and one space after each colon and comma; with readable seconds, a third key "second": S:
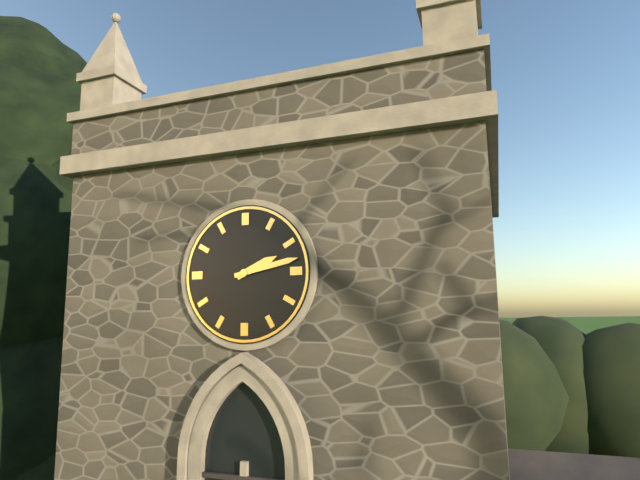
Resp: {"hour": 2, "minute": 13}
